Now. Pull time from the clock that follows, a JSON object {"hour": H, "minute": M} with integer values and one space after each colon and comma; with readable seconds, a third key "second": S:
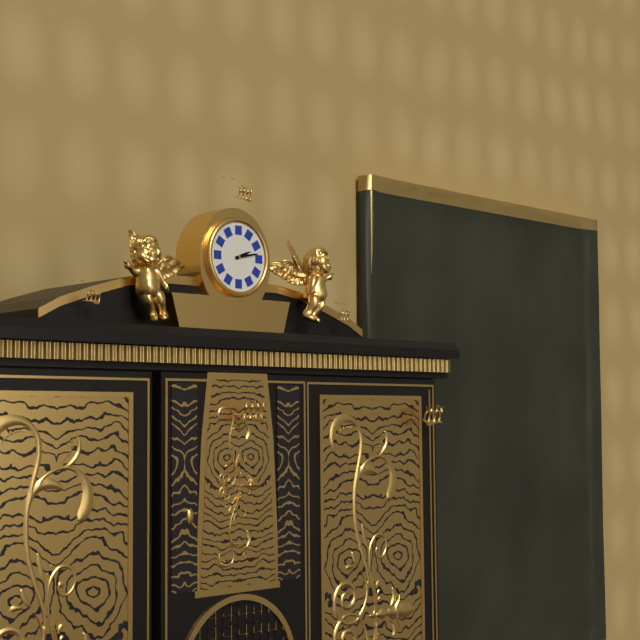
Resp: {"hour": 2, "minute": 13}
